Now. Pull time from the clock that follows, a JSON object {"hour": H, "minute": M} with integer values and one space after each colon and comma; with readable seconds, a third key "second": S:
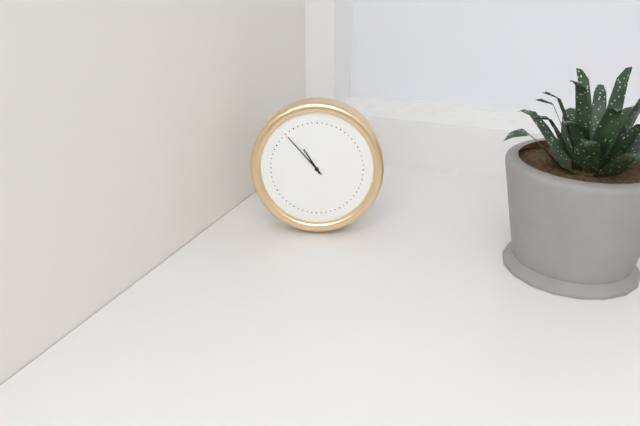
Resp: {"hour": 10, "minute": 53}
